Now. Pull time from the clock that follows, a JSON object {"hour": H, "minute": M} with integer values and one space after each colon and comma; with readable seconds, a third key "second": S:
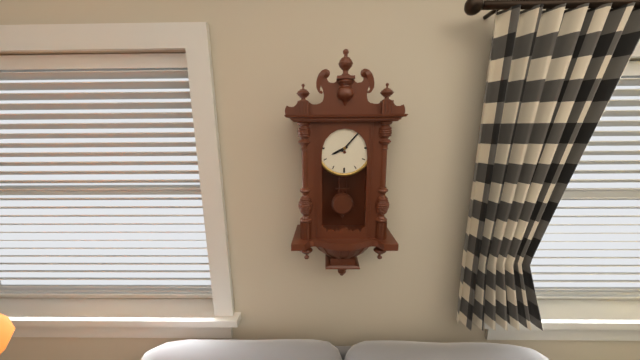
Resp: {"hour": 8, "minute": 7}
